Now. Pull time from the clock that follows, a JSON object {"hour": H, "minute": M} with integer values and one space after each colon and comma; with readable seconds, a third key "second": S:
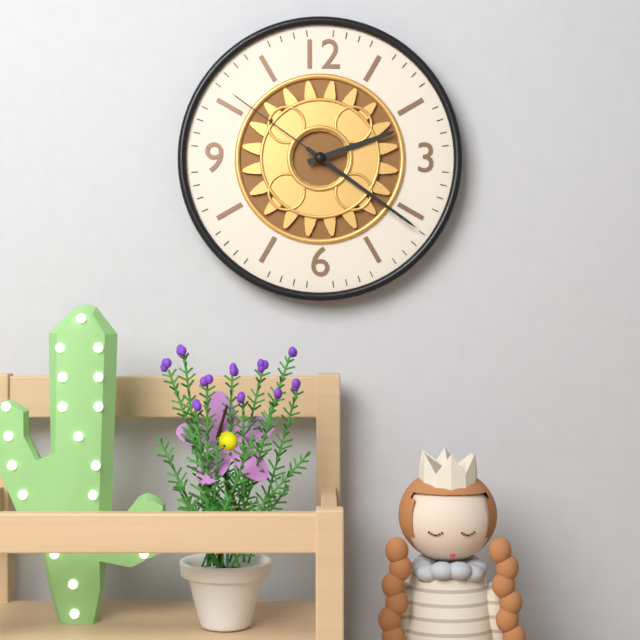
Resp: {"hour": 2, "minute": 21, "second": 51}
